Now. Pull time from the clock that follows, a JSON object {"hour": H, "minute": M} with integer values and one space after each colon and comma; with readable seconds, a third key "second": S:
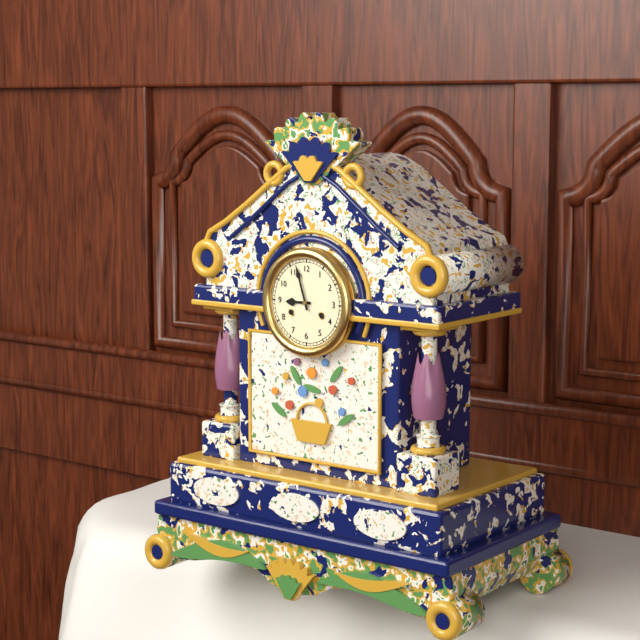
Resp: {"hour": 8, "minute": 57}
